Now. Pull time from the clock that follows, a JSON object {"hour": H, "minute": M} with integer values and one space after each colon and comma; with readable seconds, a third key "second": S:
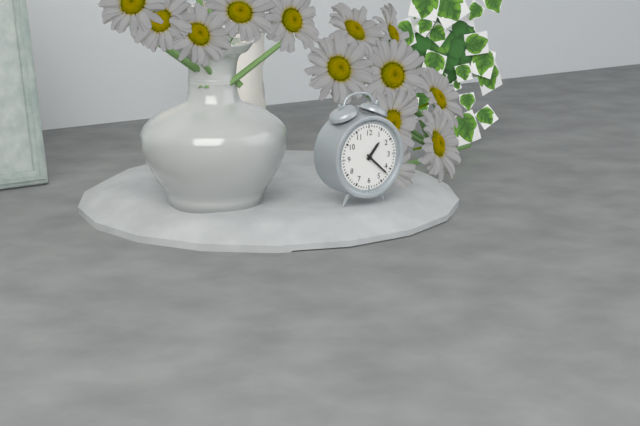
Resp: {"hour": 1, "minute": 22}
